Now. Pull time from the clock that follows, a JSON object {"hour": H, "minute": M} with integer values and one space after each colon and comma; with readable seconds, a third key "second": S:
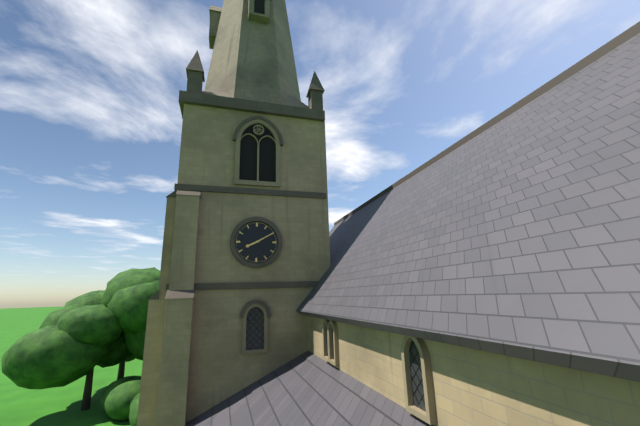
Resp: {"hour": 8, "minute": 10}
